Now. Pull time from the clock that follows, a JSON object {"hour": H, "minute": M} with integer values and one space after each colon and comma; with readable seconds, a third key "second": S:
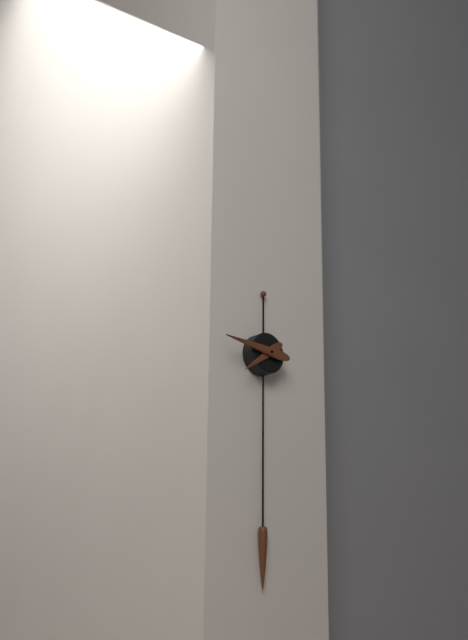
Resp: {"hour": 7, "minute": 46}
